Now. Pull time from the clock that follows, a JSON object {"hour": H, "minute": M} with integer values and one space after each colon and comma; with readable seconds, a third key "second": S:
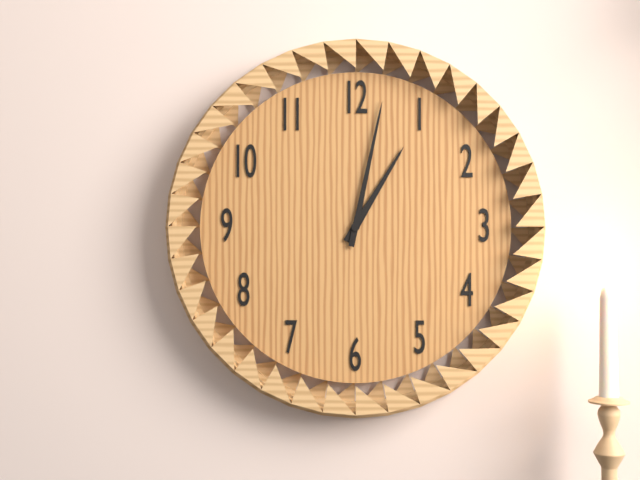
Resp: {"hour": 1, "minute": 2}
